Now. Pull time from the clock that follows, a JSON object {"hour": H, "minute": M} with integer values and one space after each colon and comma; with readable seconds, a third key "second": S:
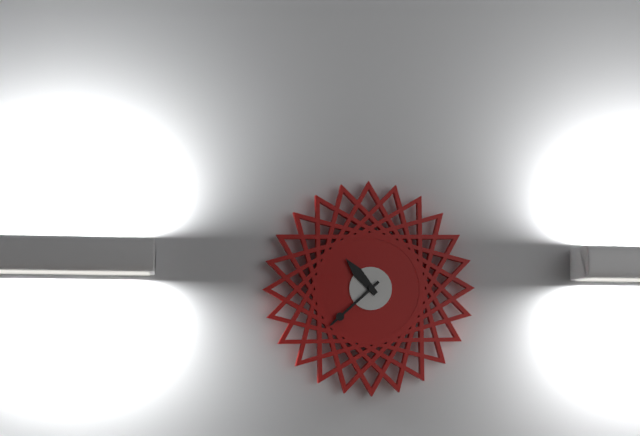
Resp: {"hour": 10, "minute": 38}
